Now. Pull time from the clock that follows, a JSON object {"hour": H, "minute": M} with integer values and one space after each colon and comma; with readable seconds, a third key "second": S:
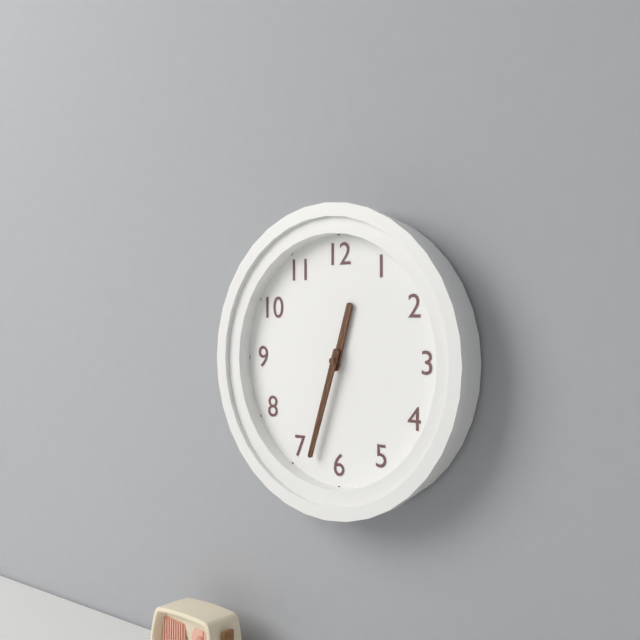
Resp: {"hour": 12, "minute": 33}
